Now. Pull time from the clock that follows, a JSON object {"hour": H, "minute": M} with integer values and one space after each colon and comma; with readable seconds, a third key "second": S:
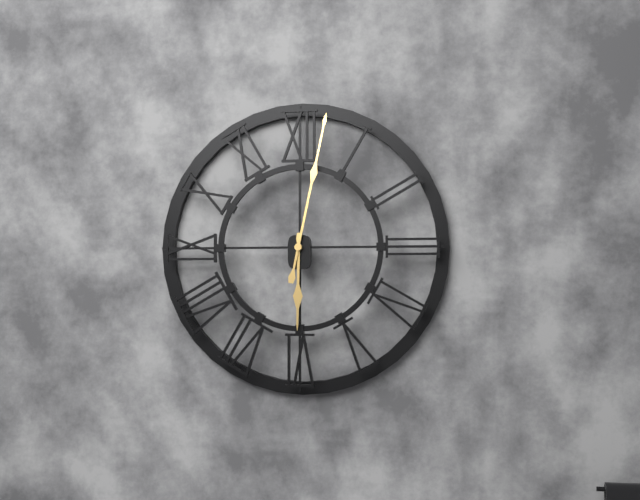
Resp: {"hour": 6, "minute": 2}
